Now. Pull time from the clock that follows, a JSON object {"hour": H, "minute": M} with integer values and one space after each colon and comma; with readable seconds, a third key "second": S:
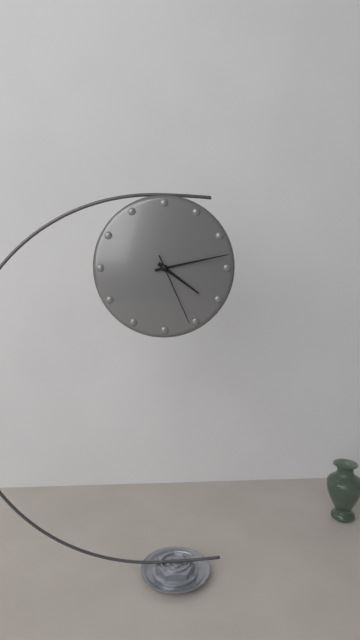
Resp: {"hour": 4, "minute": 13, "second": 26}
